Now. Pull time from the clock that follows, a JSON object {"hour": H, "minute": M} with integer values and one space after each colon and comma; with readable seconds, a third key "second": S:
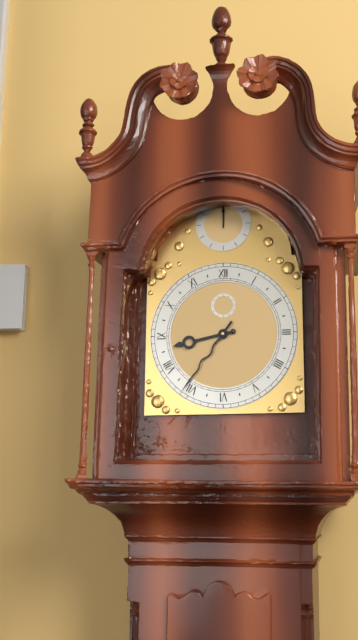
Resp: {"hour": 8, "minute": 36}
